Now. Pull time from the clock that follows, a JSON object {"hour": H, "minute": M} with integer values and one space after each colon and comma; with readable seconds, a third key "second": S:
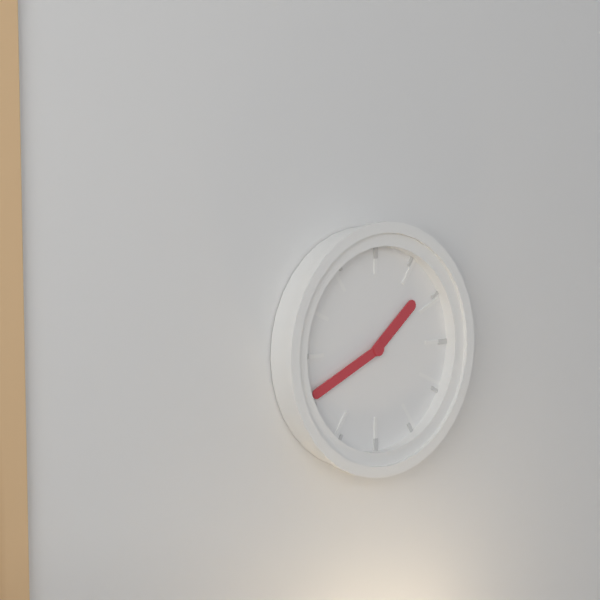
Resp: {"hour": 1, "minute": 41}
